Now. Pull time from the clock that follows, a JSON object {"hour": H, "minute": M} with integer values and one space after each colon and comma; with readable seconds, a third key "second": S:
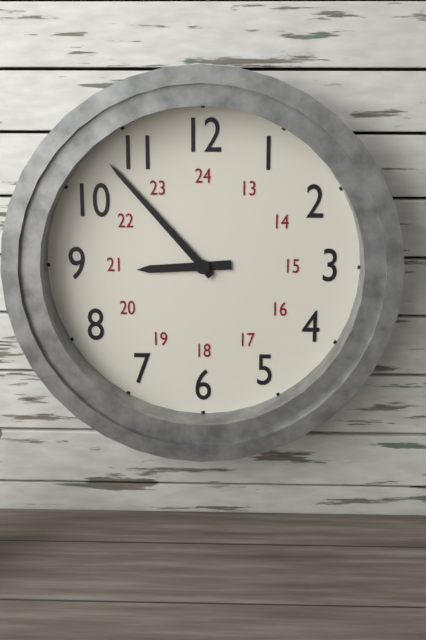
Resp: {"hour": 8, "minute": 53}
